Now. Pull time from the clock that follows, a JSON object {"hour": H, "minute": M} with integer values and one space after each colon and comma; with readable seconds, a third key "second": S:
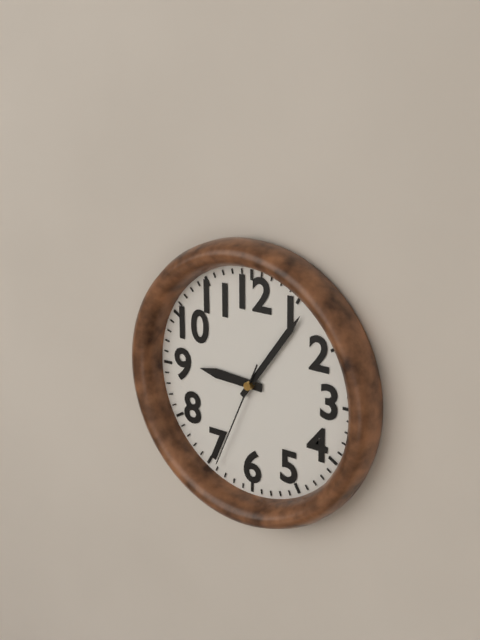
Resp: {"hour": 9, "minute": 6, "second": 34}
